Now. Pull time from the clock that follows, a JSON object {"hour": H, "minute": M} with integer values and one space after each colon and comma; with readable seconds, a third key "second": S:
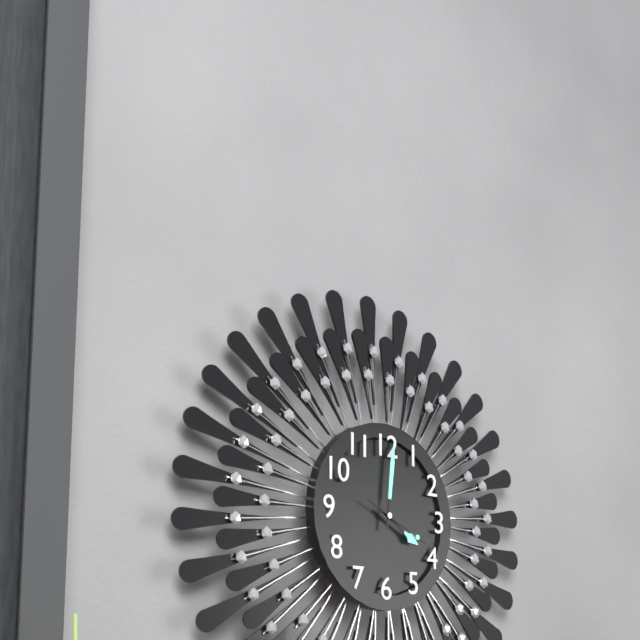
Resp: {"hour": 4, "minute": 1, "second": 19}
